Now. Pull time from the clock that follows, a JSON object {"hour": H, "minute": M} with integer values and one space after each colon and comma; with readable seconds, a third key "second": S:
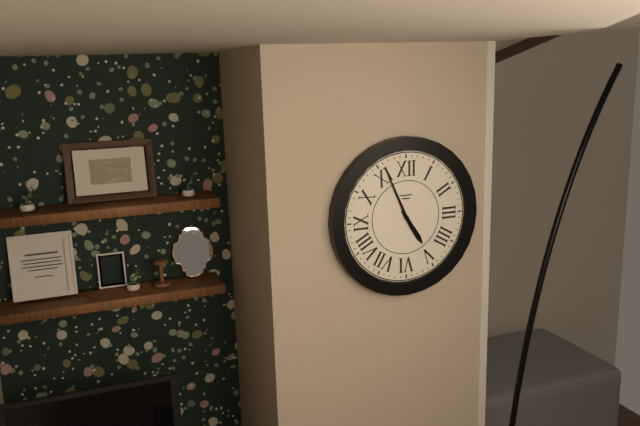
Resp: {"hour": 4, "minute": 56}
